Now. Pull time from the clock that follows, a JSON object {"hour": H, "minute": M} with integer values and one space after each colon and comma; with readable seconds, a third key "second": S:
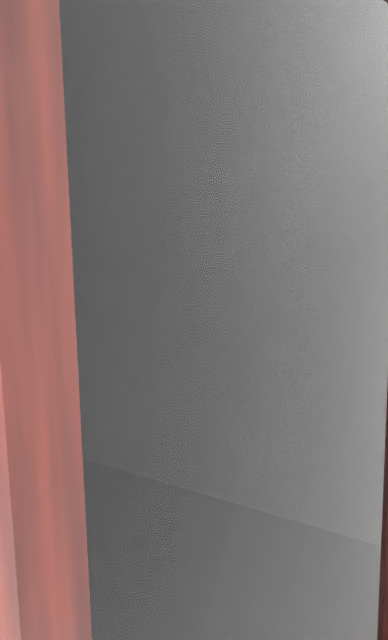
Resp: {"hour": 3, "minute": 10}
